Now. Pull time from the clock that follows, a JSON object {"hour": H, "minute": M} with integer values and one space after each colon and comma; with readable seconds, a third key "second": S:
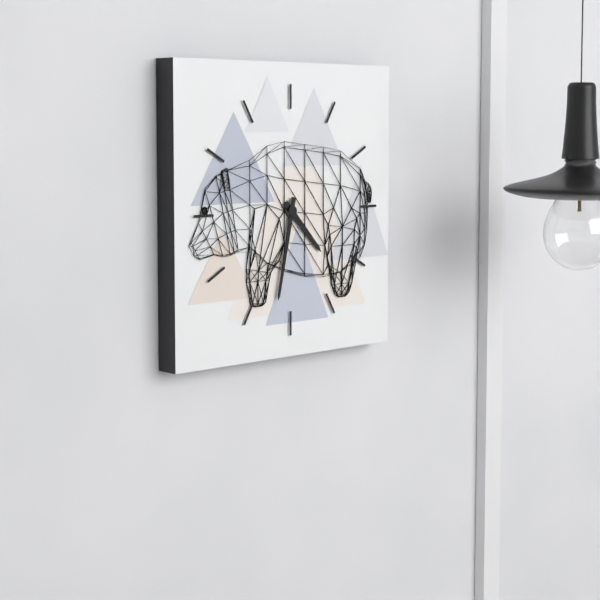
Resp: {"hour": 4, "minute": 32}
